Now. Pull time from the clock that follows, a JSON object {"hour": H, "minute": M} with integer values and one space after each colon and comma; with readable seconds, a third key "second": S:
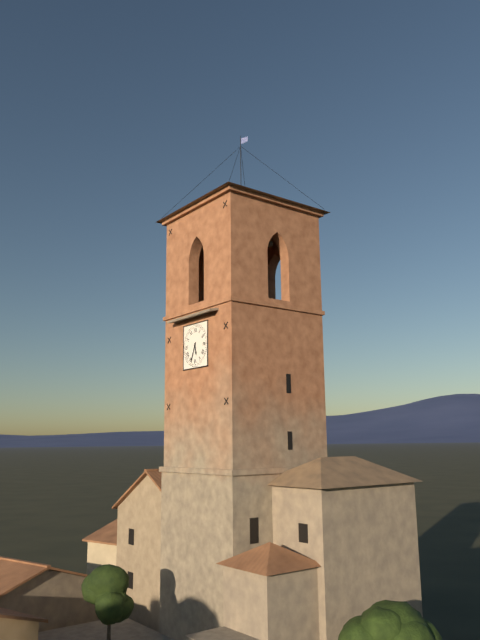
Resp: {"hour": 5, "minute": 34}
